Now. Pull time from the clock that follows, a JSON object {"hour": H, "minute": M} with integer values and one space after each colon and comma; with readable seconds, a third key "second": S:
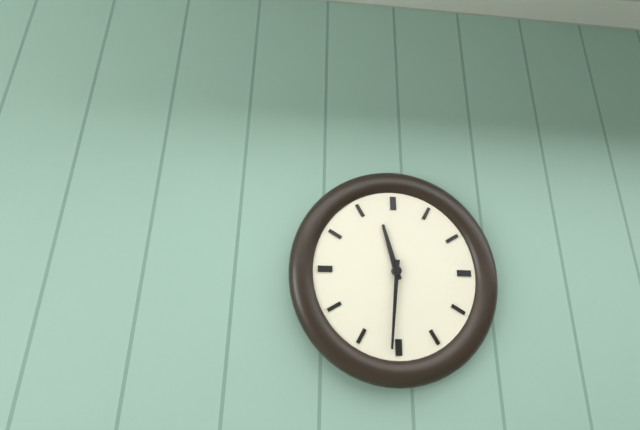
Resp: {"hour": 11, "minute": 31}
